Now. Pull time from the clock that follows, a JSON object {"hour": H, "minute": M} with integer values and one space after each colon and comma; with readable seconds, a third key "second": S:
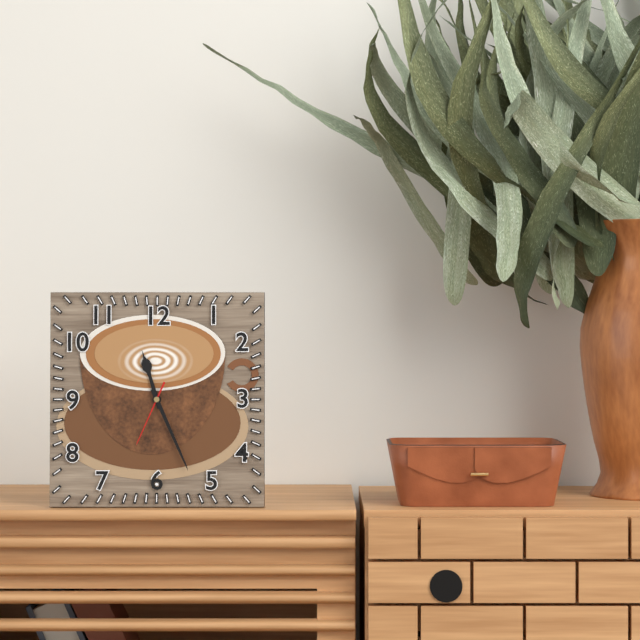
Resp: {"hour": 11, "minute": 26, "second": 34}
